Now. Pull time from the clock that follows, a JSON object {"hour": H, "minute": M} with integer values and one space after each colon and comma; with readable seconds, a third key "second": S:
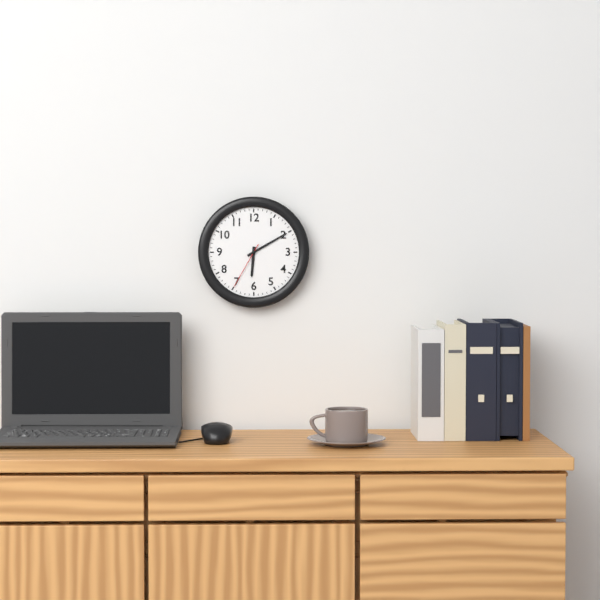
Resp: {"hour": 6, "minute": 10, "second": 35}
